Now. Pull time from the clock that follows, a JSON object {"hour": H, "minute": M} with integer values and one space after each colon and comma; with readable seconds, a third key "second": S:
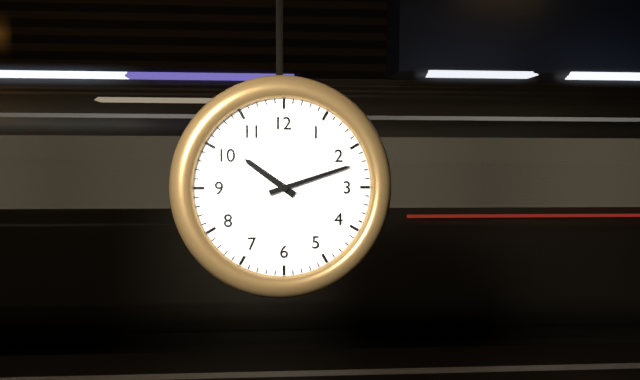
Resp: {"hour": 10, "minute": 12}
